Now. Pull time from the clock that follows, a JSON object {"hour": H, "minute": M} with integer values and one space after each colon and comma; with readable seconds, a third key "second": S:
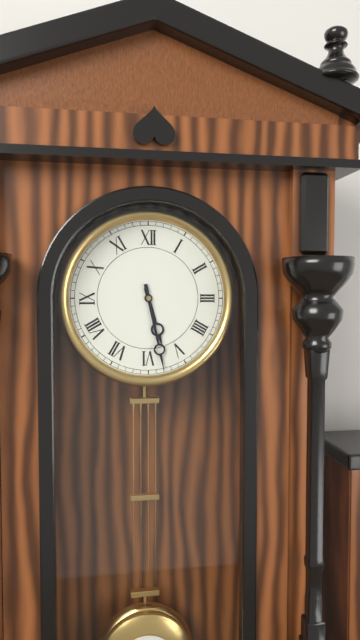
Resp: {"hour": 5, "minute": 28}
